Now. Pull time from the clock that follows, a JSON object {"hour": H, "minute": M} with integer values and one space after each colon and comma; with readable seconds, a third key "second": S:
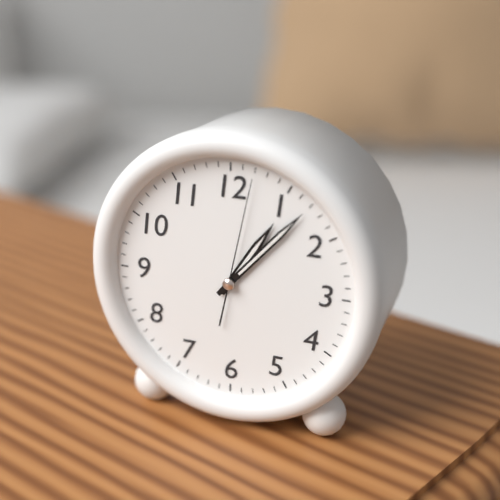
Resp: {"hour": 1, "minute": 7, "second": 2}
